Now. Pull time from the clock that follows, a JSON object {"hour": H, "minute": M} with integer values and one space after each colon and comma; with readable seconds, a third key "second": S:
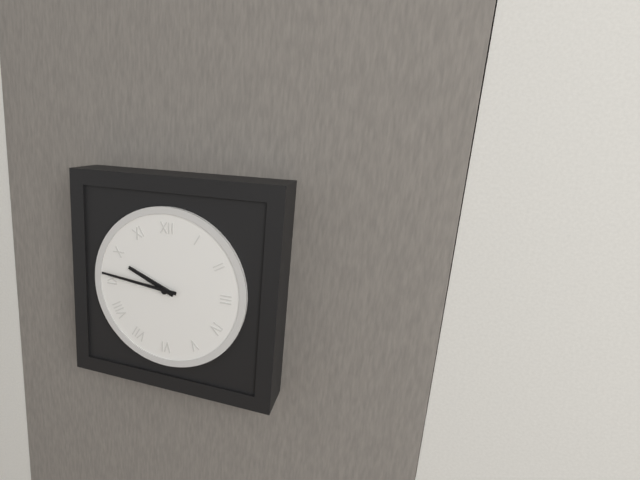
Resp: {"hour": 9, "minute": 46}
